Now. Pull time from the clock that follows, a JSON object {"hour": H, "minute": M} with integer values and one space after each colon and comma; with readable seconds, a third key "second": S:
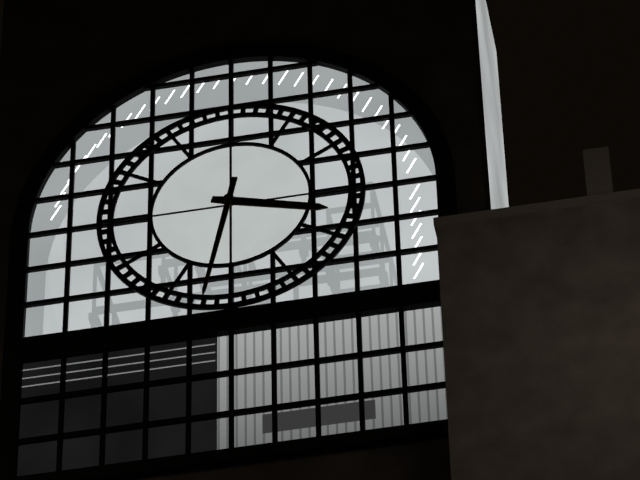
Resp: {"hour": 3, "minute": 32}
